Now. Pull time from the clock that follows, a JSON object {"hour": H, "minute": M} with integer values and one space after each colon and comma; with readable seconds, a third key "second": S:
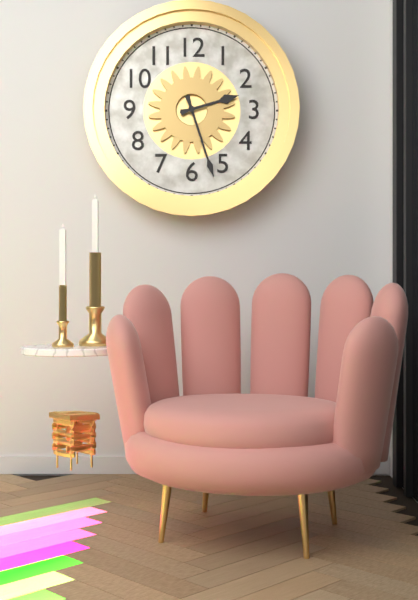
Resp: {"hour": 2, "minute": 27}
